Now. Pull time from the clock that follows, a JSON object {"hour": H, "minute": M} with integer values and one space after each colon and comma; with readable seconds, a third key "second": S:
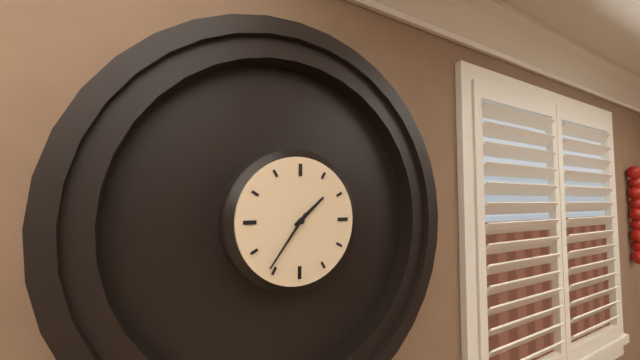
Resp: {"hour": 1, "minute": 36}
